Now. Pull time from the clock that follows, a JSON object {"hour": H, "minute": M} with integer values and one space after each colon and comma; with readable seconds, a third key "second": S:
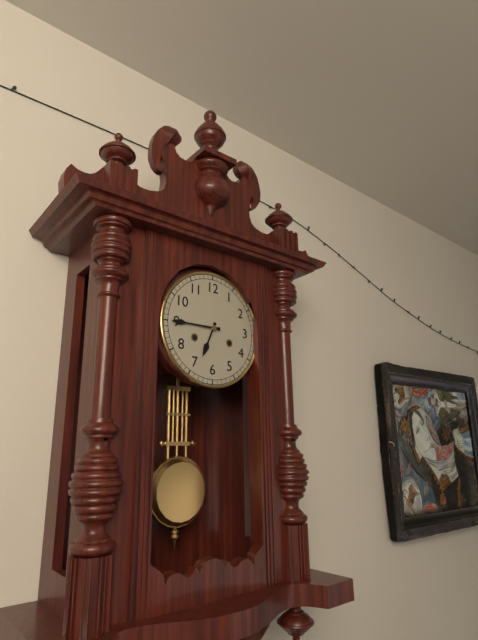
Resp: {"hour": 6, "minute": 45}
